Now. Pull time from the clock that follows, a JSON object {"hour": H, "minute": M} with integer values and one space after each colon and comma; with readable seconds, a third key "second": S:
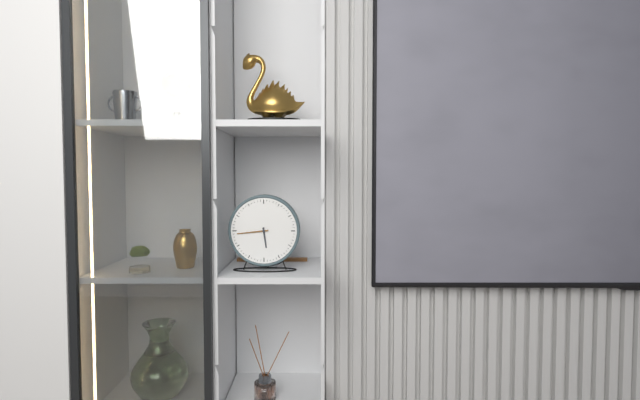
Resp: {"hour": 5, "minute": 44}
